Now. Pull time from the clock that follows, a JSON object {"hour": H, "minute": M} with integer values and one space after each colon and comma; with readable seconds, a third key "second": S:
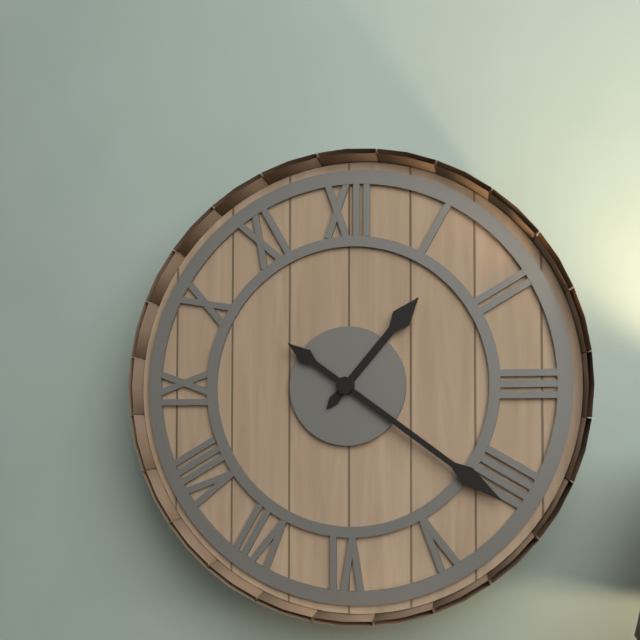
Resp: {"hour": 1, "minute": 21}
